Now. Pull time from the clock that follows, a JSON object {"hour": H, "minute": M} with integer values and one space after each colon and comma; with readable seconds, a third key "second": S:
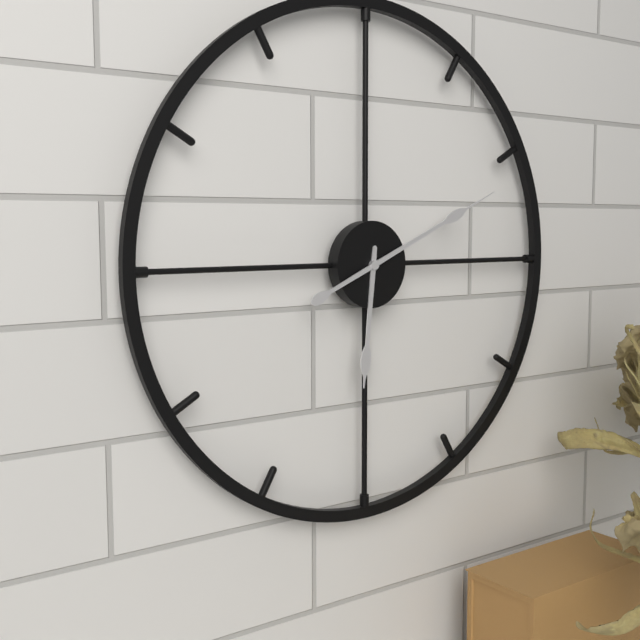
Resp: {"hour": 6, "minute": 11}
